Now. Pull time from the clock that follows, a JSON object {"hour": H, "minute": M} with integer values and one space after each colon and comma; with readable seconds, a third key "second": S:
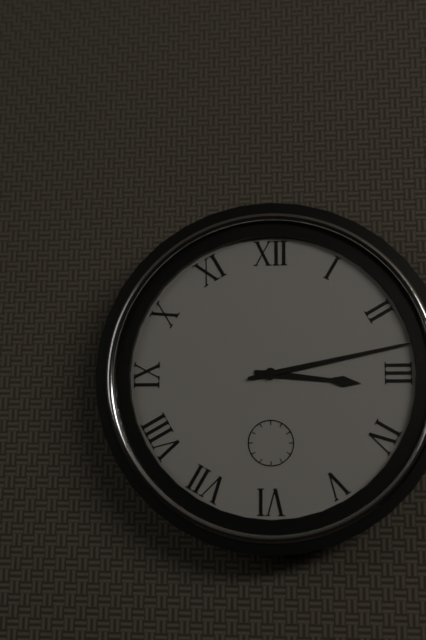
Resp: {"hour": 3, "minute": 13}
